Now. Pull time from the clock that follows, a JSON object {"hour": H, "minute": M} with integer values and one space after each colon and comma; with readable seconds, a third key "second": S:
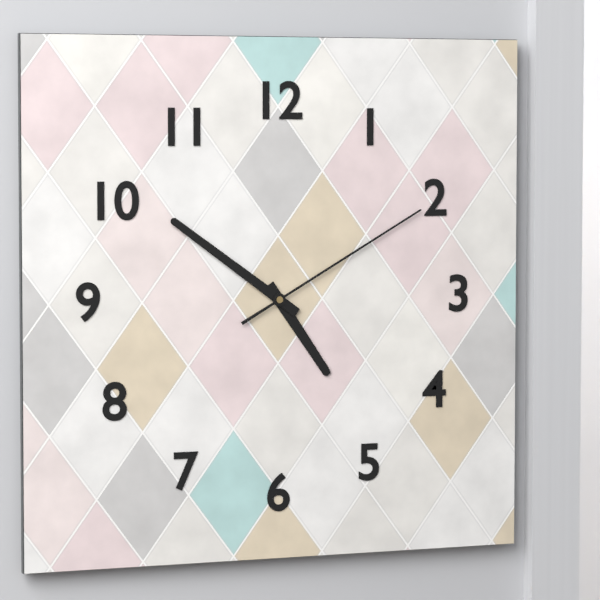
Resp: {"hour": 4, "minute": 51, "second": 10}
